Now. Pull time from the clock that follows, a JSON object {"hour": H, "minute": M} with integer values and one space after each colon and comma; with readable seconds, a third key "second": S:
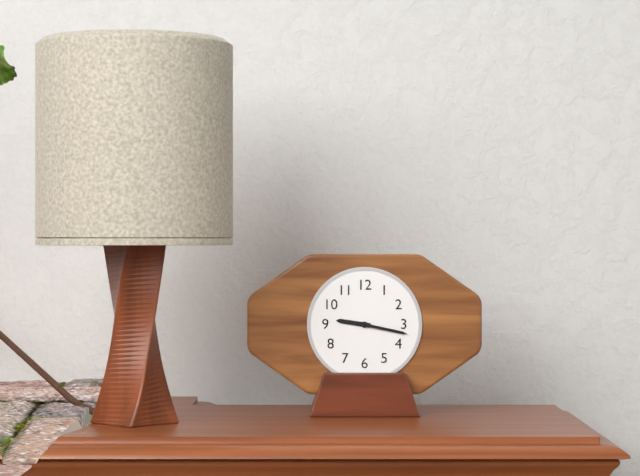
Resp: {"hour": 9, "minute": 17}
